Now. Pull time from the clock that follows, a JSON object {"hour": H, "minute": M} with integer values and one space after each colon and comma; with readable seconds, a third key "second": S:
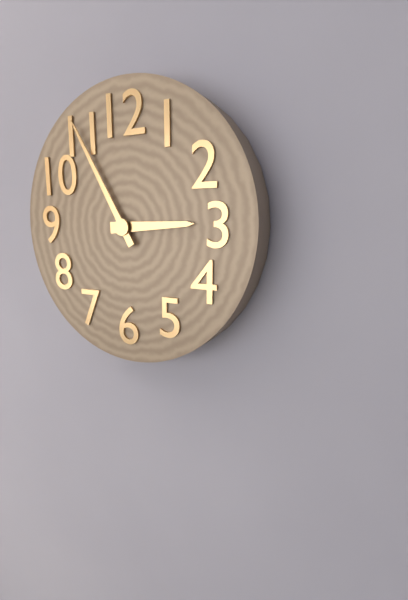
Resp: {"hour": 2, "minute": 55}
